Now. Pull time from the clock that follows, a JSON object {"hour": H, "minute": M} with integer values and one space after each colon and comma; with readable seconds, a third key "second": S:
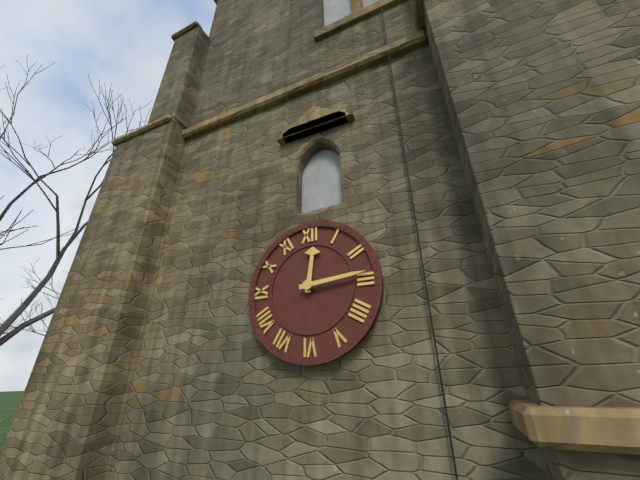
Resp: {"hour": 12, "minute": 14}
